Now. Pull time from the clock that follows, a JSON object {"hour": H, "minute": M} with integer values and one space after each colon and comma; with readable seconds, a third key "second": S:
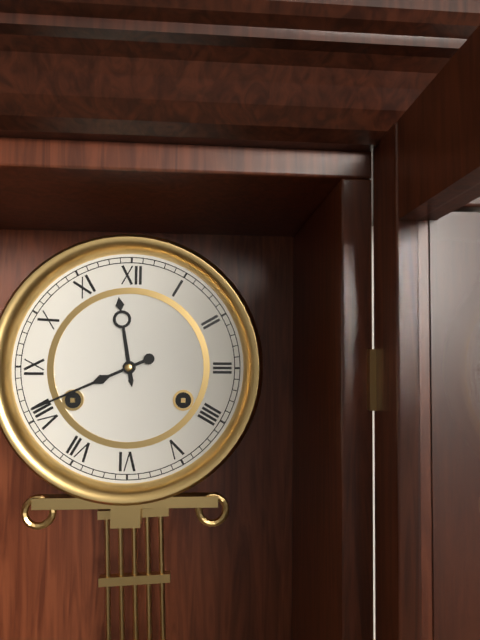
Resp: {"hour": 11, "minute": 41}
